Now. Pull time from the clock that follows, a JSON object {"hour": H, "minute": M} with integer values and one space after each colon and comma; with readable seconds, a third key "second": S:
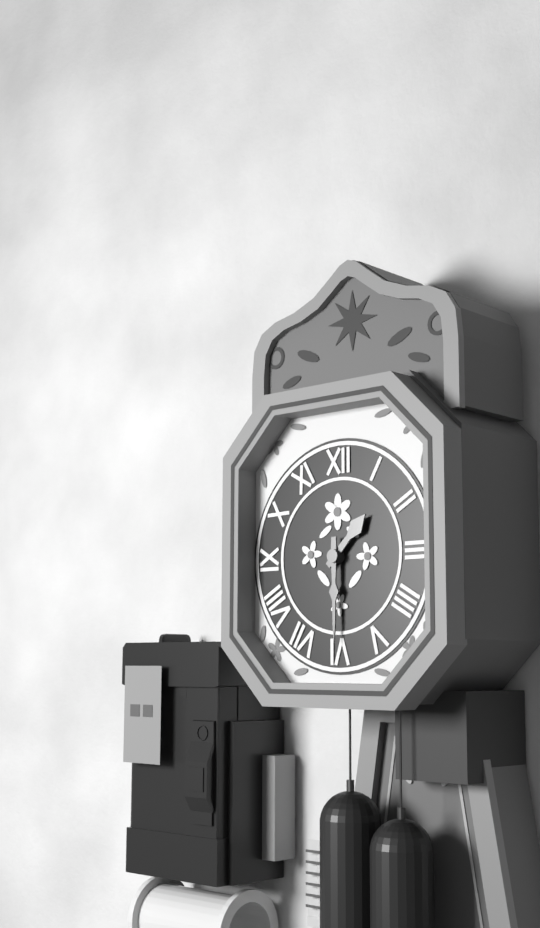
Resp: {"hour": 1, "minute": 30}
